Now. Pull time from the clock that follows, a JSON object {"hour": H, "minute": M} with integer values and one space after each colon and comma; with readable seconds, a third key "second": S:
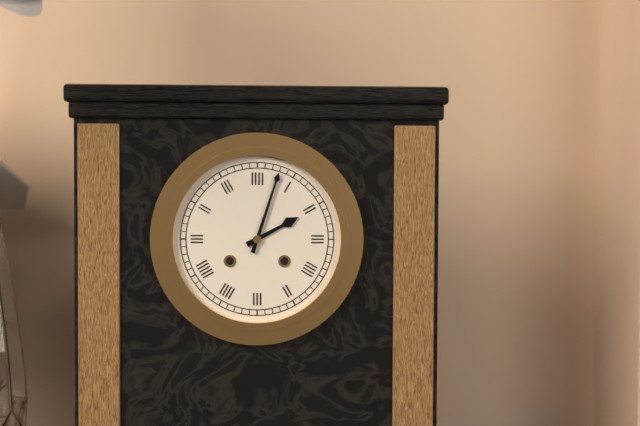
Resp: {"hour": 2, "minute": 3}
